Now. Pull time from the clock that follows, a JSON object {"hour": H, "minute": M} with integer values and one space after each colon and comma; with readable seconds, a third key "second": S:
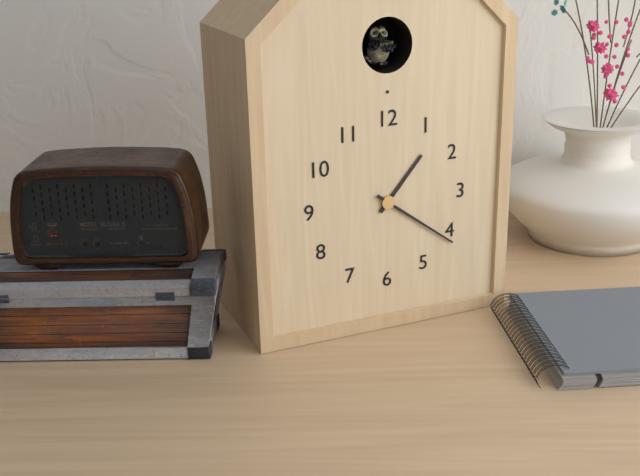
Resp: {"hour": 1, "minute": 21}
